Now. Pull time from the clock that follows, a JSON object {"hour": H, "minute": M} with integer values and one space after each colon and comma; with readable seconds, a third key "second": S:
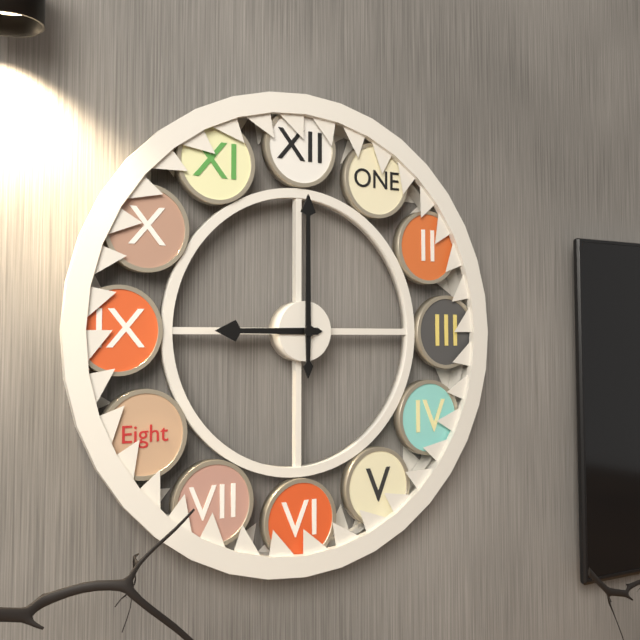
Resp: {"hour": 9, "minute": 0}
